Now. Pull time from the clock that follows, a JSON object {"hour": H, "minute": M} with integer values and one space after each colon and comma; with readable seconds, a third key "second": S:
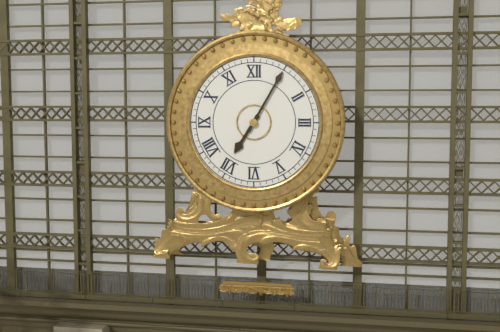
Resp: {"hour": 7, "minute": 5}
